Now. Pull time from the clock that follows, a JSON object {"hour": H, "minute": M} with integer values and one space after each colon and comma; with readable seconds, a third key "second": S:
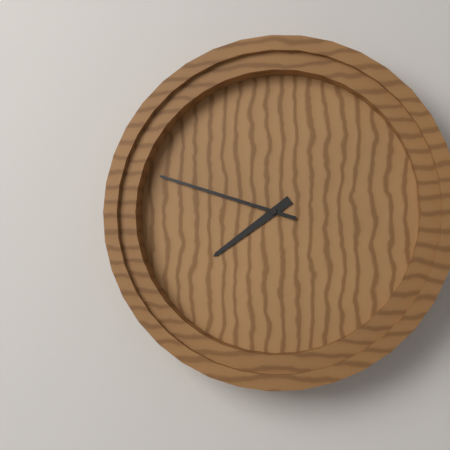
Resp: {"hour": 7, "minute": 48}
